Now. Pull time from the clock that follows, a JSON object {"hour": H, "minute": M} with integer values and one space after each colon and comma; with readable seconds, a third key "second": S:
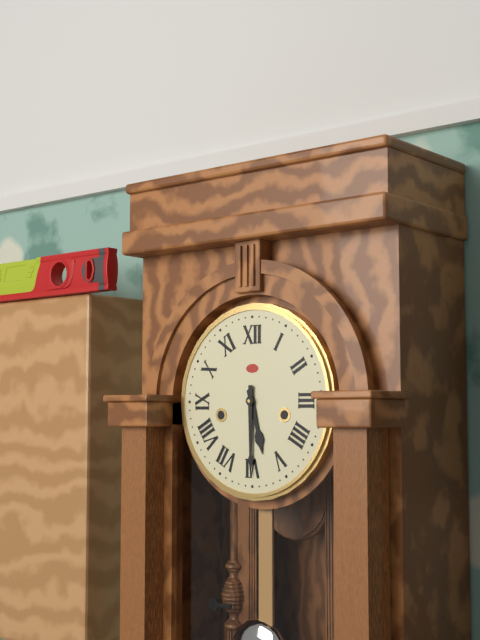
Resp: {"hour": 5, "minute": 30}
